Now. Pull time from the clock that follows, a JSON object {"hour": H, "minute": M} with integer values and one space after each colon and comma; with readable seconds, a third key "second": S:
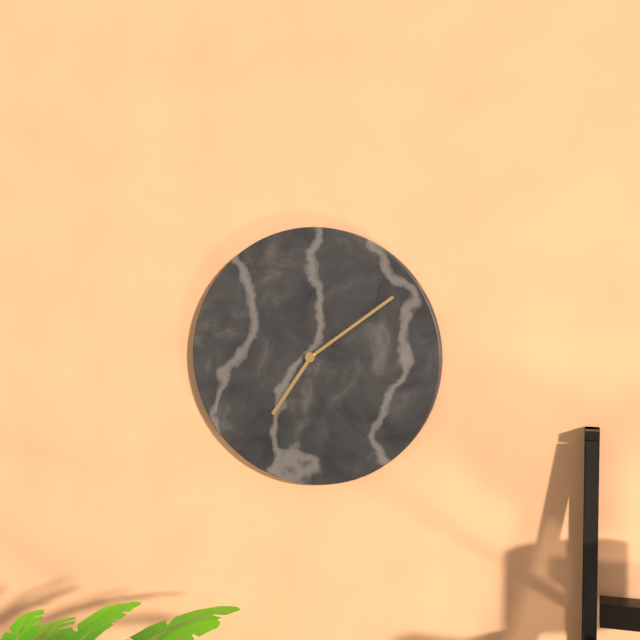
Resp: {"hour": 7, "minute": 9}
